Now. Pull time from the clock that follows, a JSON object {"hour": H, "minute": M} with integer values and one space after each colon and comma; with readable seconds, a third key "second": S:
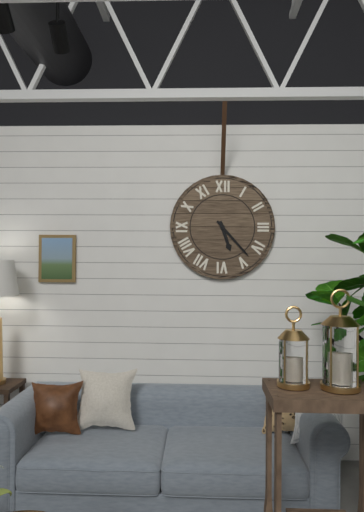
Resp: {"hour": 5, "minute": 23}
